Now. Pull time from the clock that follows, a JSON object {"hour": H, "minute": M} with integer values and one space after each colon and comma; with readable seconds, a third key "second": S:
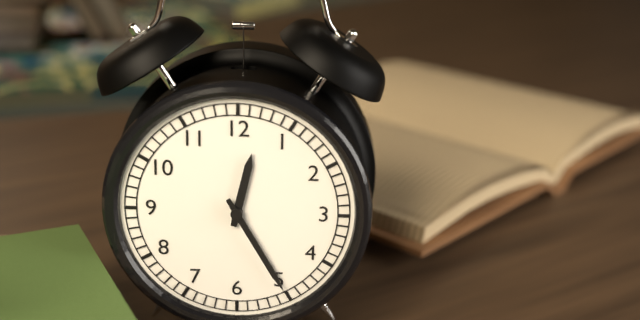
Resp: {"hour": 12, "minute": 25}
